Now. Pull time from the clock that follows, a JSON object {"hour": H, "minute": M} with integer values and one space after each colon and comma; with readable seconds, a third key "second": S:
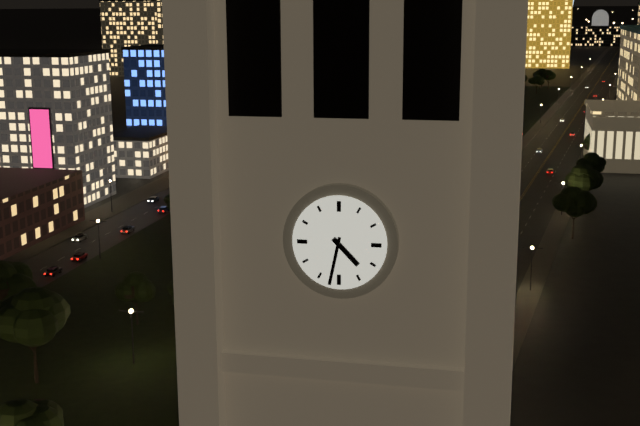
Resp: {"hour": 4, "minute": 32}
